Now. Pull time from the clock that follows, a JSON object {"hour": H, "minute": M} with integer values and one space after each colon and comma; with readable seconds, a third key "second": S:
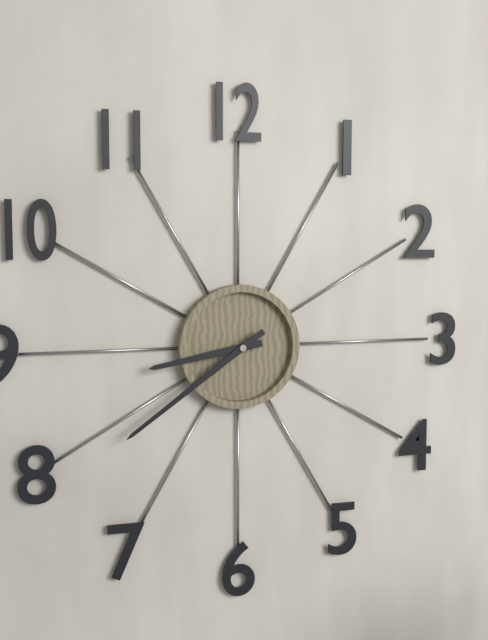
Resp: {"hour": 8, "minute": 39}
